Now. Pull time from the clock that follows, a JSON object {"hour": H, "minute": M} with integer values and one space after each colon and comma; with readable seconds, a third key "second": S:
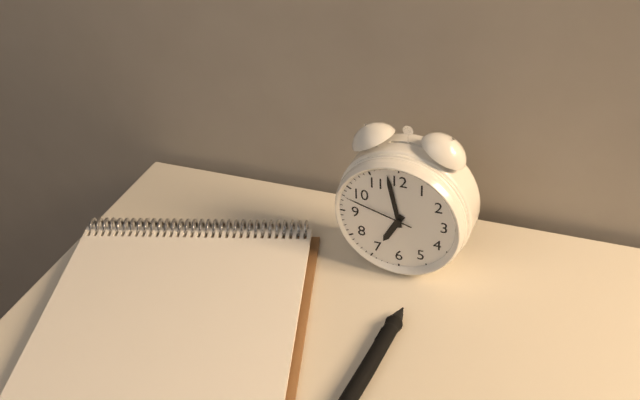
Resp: {"hour": 6, "minute": 58, "second": 48}
